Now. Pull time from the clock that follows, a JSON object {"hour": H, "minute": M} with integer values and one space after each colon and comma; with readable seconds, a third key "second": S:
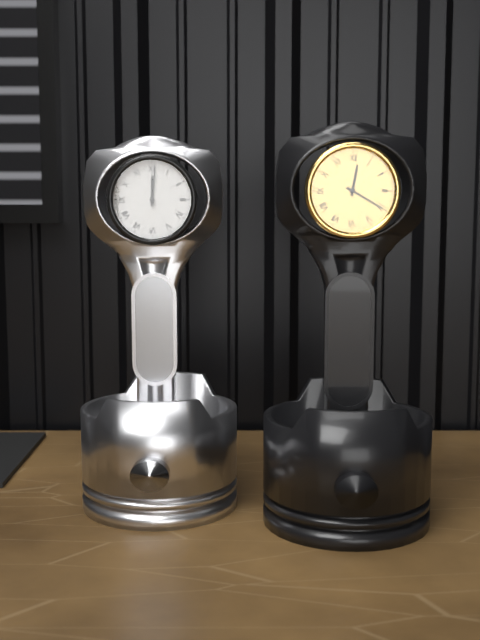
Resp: {"hour": 12, "minute": 1}
